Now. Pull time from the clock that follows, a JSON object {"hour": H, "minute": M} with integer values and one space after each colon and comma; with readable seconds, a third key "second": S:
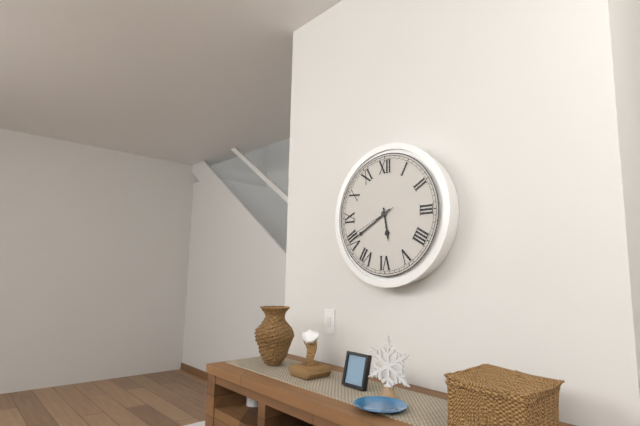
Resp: {"hour": 5, "minute": 40}
